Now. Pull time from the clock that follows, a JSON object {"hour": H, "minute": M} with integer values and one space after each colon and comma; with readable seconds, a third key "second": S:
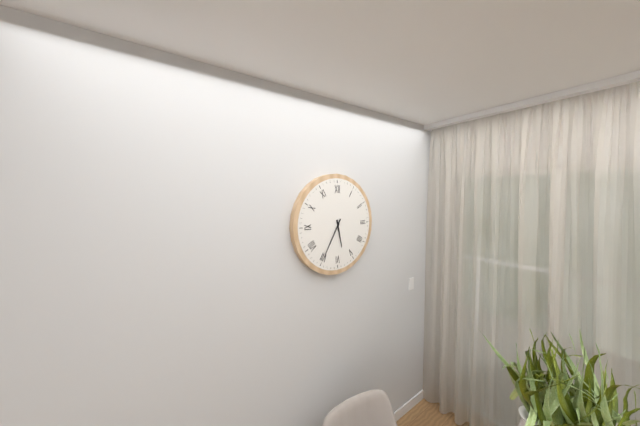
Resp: {"hour": 5, "minute": 35}
